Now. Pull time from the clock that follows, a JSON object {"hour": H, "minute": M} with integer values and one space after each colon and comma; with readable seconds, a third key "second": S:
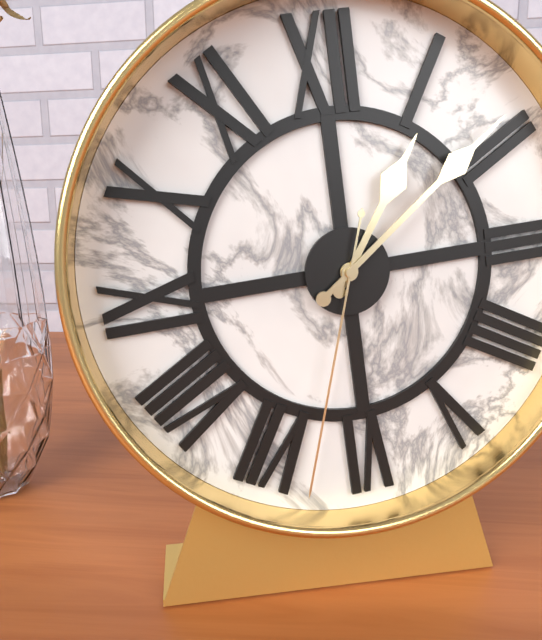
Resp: {"hour": 1, "minute": 9, "second": 33}
